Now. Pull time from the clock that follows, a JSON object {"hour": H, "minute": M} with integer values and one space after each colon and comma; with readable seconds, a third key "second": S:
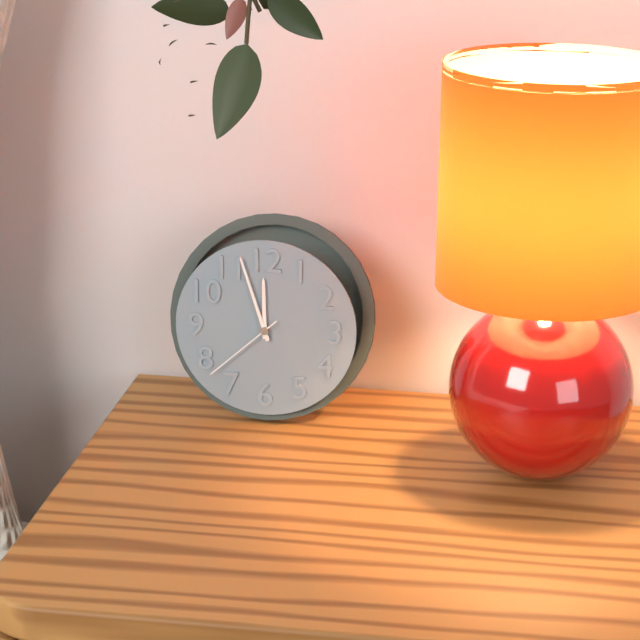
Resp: {"hour": 11, "minute": 57, "second": 38}
